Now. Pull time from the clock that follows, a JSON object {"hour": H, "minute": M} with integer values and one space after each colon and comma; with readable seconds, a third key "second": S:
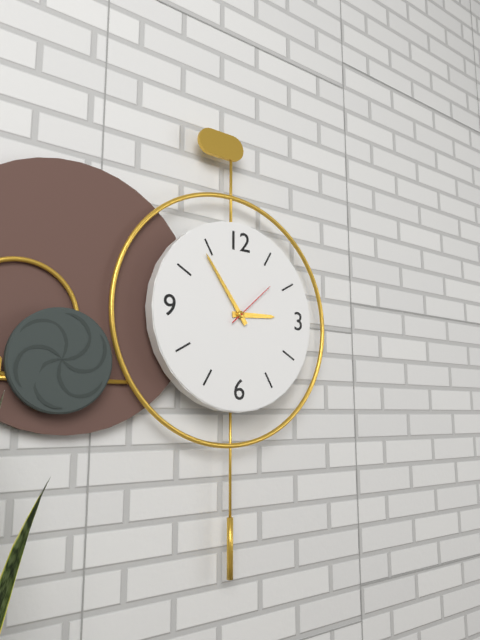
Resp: {"hour": 2, "minute": 54, "second": 8}
